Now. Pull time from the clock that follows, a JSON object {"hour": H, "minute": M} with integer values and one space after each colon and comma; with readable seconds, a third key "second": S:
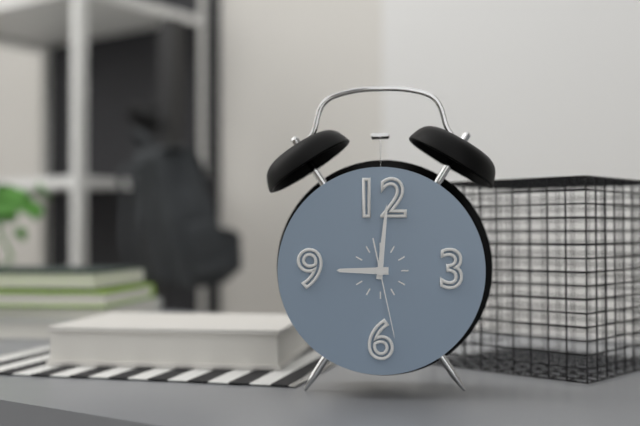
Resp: {"hour": 9, "minute": 1, "second": 28}
